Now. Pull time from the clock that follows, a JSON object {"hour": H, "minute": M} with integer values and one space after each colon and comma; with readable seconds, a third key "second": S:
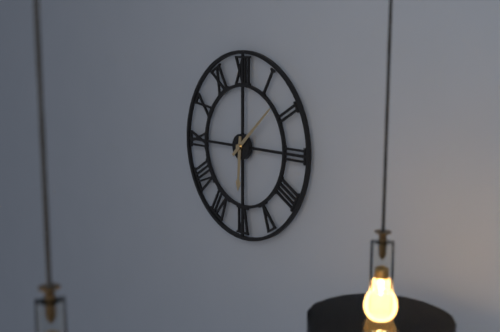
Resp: {"hour": 6, "minute": 8}
